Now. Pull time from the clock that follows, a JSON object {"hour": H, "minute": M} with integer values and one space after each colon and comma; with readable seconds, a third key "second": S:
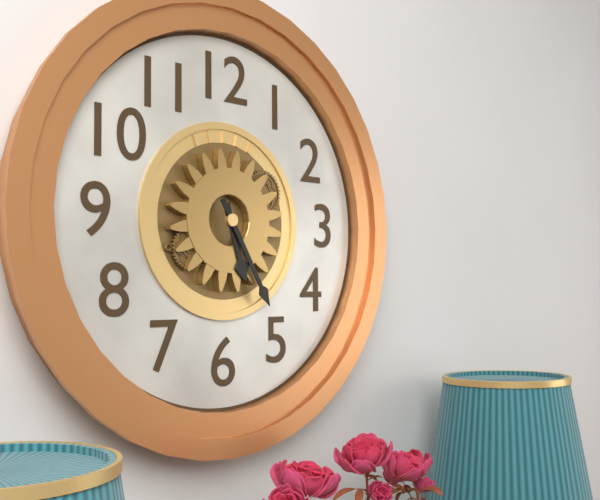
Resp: {"hour": 5, "minute": 25}
